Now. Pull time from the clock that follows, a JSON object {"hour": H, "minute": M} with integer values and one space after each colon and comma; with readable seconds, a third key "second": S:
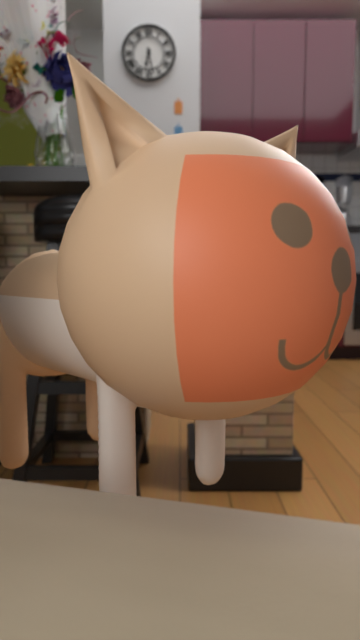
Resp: {"hour": 6, "minute": 28}
